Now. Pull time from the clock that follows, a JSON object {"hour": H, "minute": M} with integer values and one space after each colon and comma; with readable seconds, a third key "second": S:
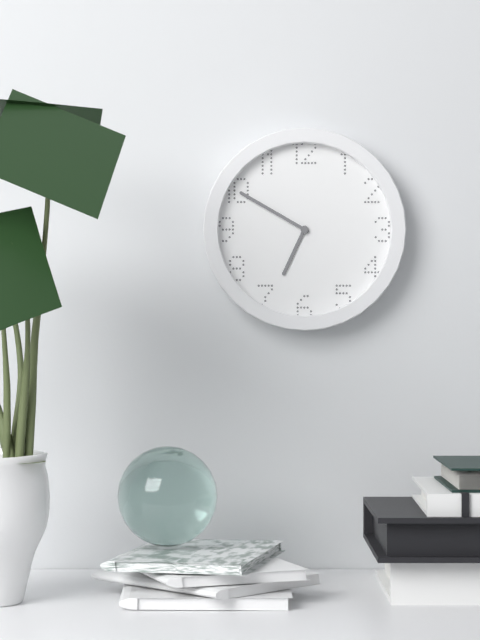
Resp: {"hour": 6, "minute": 50}
